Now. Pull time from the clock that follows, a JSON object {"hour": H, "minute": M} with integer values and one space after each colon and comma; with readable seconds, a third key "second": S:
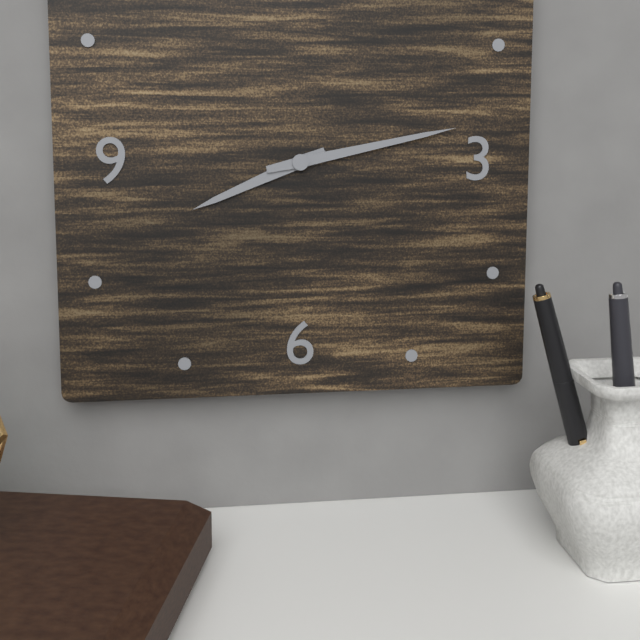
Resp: {"hour": 8, "minute": 13}
